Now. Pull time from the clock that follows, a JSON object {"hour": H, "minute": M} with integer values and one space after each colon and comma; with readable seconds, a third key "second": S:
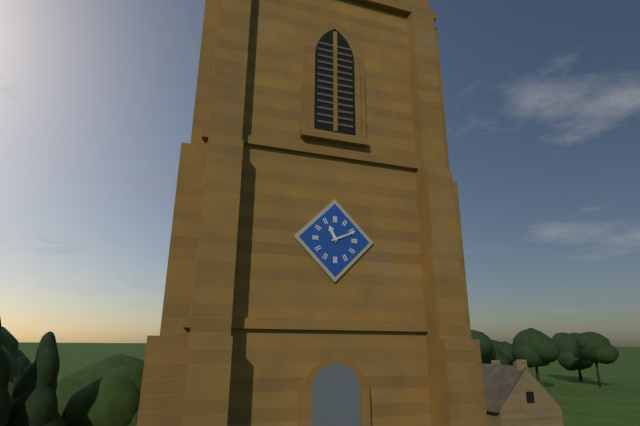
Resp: {"hour": 11, "minute": 11}
